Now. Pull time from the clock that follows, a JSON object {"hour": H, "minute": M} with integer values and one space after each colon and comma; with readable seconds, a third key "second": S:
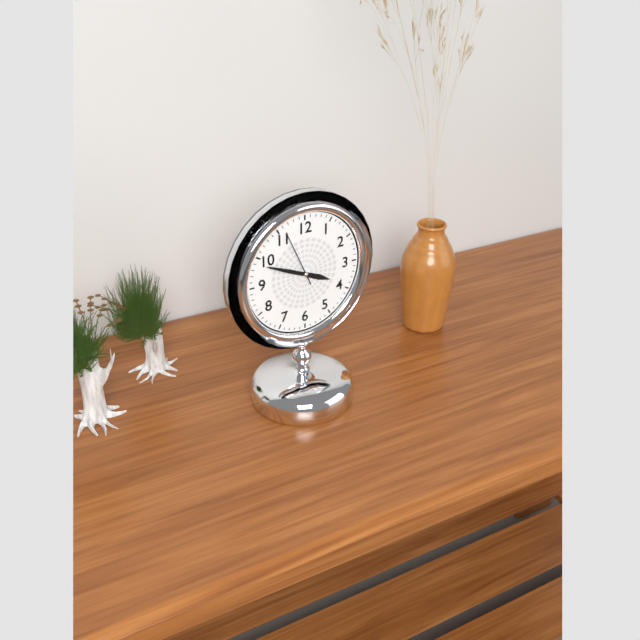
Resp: {"hour": 3, "minute": 49, "second": 56}
